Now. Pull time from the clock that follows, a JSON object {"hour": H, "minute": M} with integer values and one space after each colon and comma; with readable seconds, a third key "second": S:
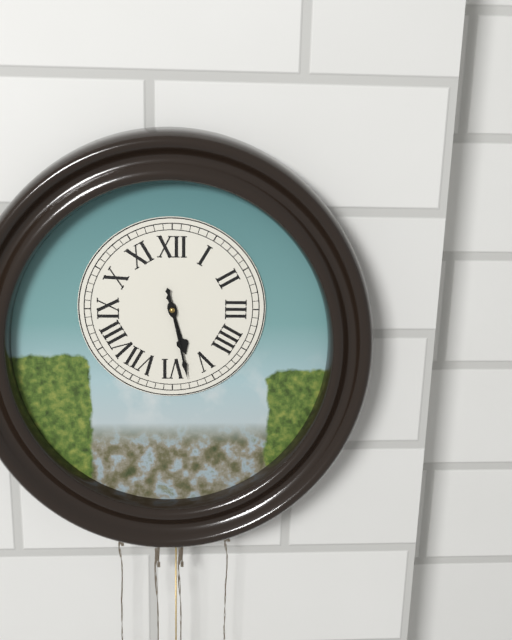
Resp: {"hour": 5, "minute": 28}
